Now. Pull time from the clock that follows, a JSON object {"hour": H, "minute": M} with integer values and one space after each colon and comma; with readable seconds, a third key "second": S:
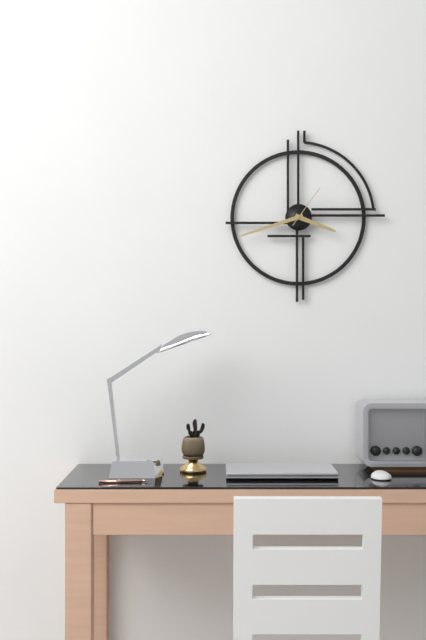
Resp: {"hour": 3, "minute": 42}
